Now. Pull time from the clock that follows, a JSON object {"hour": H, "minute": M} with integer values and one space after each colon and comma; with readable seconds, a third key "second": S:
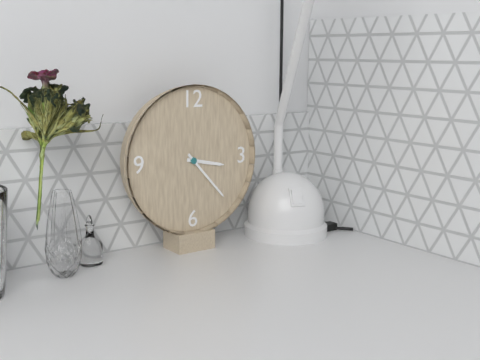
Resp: {"hour": 3, "minute": 23}
